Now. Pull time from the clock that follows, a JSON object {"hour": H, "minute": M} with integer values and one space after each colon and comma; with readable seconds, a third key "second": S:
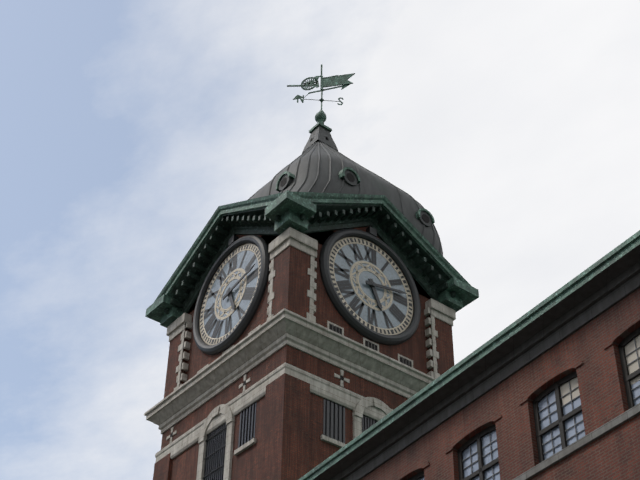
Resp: {"hour": 5, "minute": 13}
